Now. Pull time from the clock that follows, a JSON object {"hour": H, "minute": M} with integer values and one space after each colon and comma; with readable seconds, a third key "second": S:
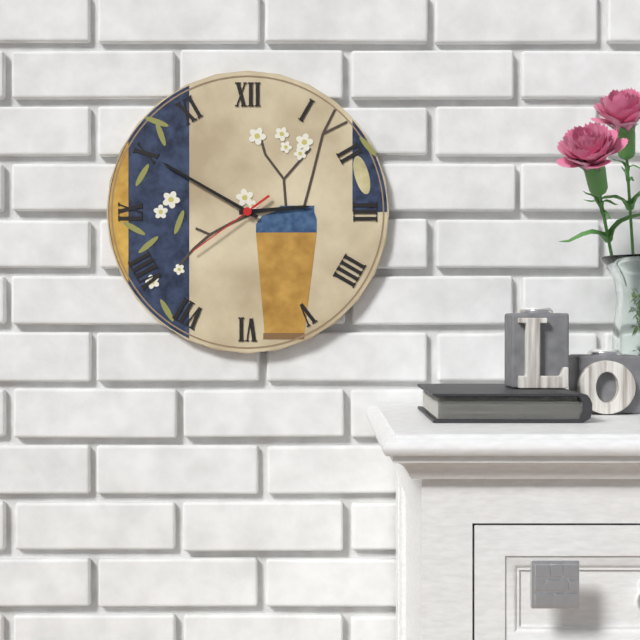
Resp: {"hour": 2, "minute": 50, "second": 39}
